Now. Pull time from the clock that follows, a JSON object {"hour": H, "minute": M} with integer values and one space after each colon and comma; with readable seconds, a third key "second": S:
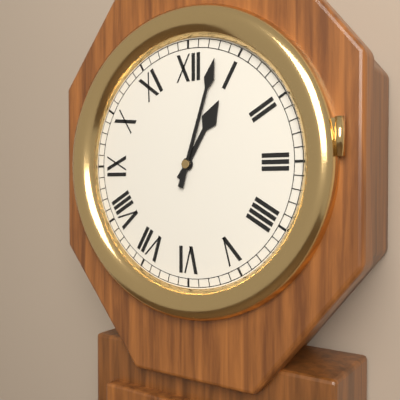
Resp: {"hour": 1, "minute": 3}
